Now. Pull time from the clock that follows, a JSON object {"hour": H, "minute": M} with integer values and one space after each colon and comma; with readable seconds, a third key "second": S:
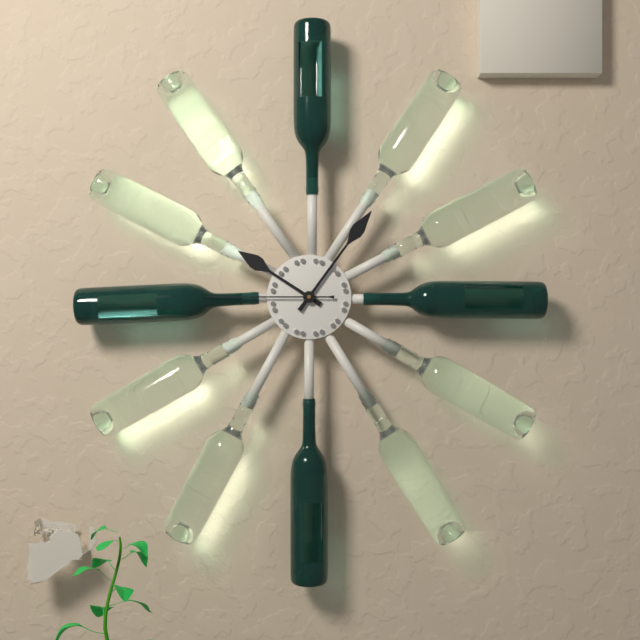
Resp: {"hour": 10, "minute": 6, "second": 45}
